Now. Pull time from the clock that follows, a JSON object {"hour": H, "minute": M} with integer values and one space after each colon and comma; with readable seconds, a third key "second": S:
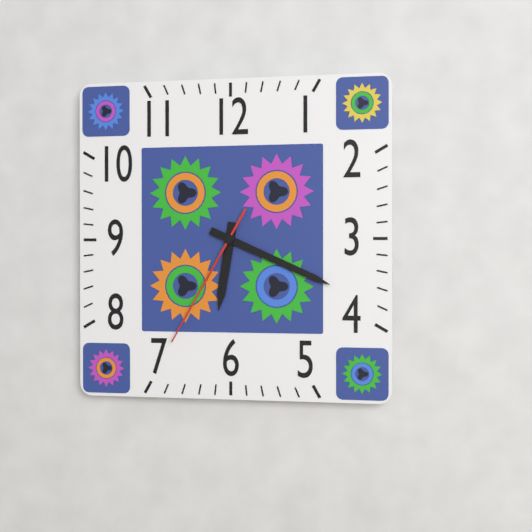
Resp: {"hour": 6, "minute": 19, "second": 35}
